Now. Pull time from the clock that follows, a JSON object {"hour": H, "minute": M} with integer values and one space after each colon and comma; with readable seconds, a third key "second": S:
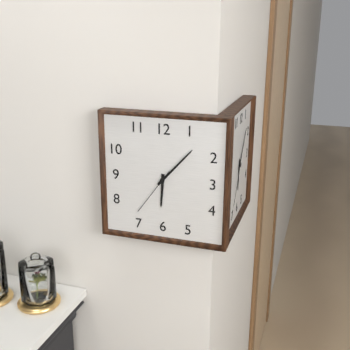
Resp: {"hour": 6, "minute": 7, "second": 36}
